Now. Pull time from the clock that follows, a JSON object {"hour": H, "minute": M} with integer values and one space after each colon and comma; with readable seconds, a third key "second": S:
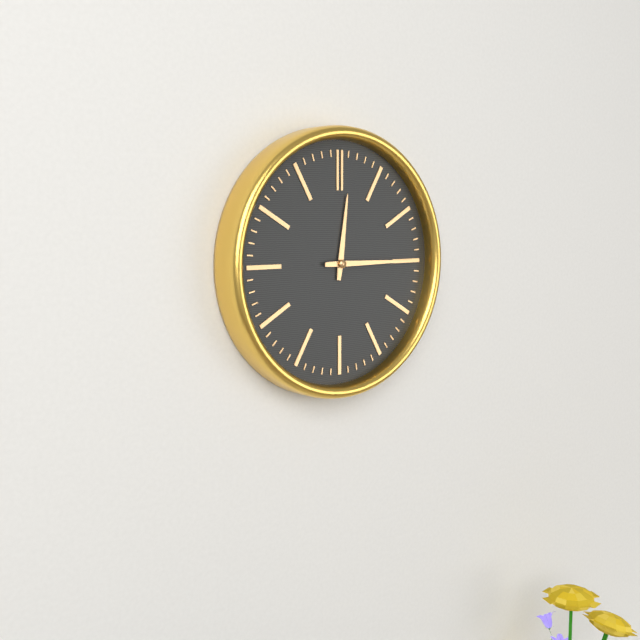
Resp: {"hour": 12, "minute": 15}
